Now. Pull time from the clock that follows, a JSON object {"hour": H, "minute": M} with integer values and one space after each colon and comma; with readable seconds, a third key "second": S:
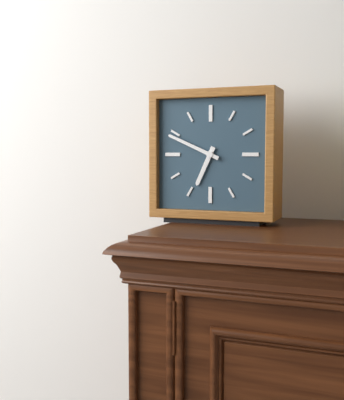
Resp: {"hour": 6, "minute": 49}
